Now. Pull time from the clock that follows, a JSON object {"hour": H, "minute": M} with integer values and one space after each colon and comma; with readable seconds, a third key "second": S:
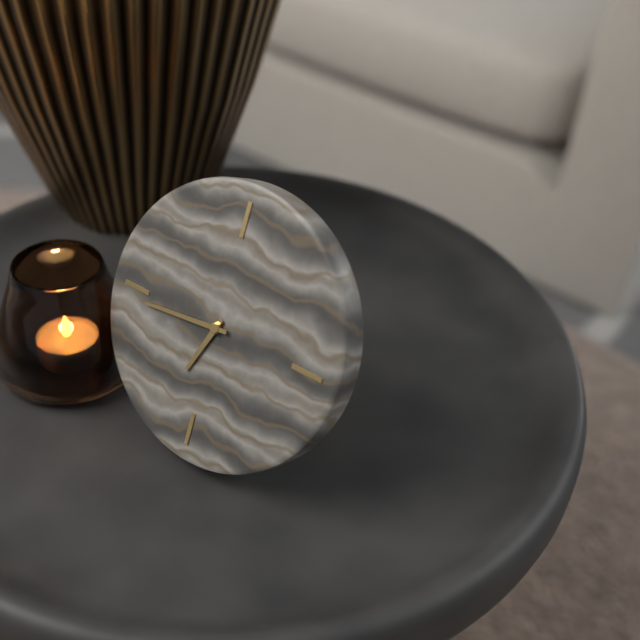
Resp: {"hour": 6, "minute": 44}
